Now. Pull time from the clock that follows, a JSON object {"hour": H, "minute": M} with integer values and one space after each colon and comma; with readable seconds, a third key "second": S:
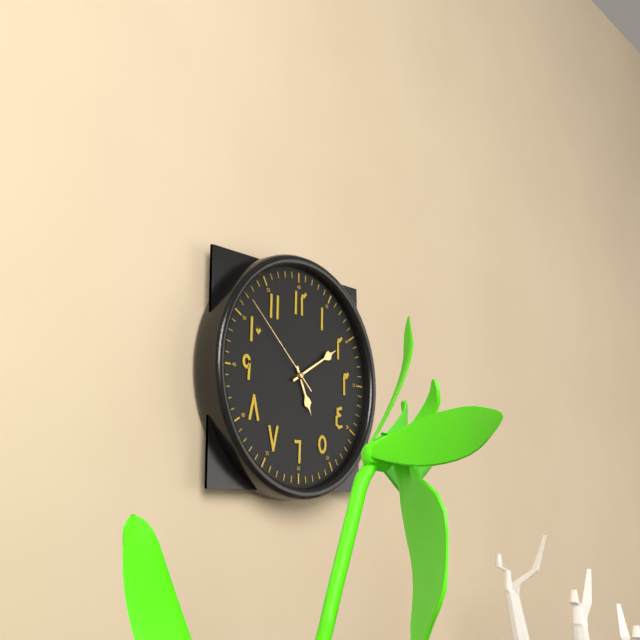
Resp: {"hour": 5, "minute": 10, "second": 52}
